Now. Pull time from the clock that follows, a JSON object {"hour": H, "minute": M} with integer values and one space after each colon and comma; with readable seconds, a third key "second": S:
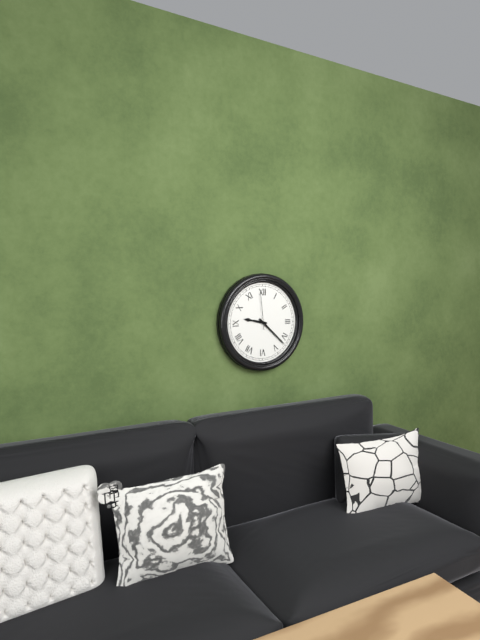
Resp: {"hour": 9, "minute": 22}
